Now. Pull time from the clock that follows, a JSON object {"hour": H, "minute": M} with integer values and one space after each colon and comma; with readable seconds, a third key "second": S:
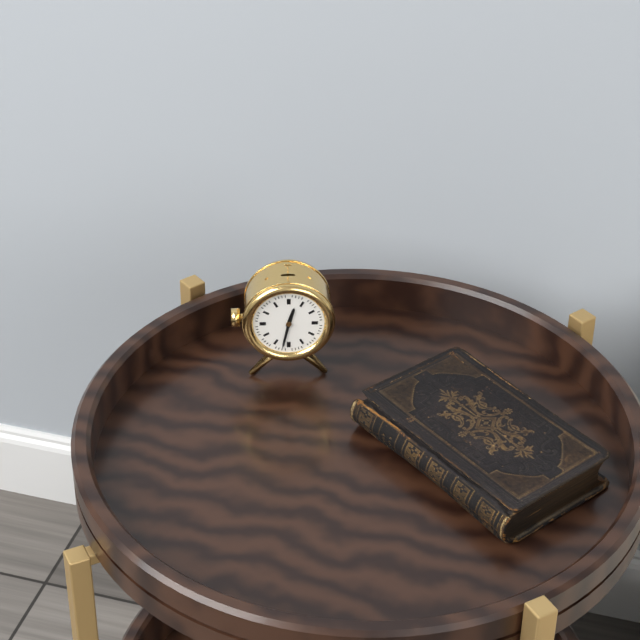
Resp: {"hour": 12, "minute": 32}
